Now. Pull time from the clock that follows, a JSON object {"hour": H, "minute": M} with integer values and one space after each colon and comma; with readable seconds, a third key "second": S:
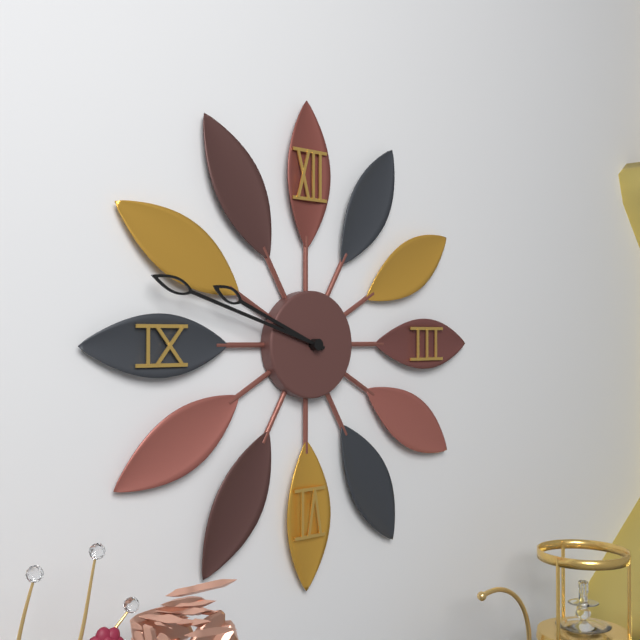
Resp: {"hour": 9, "minute": 48}
